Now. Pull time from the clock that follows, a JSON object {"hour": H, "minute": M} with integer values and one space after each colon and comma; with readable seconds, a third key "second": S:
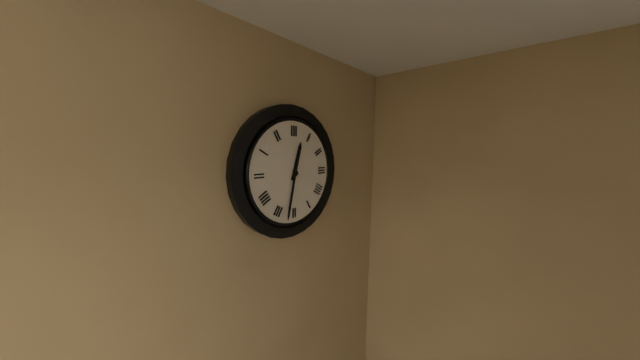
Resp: {"hour": 12, "minute": 32}
